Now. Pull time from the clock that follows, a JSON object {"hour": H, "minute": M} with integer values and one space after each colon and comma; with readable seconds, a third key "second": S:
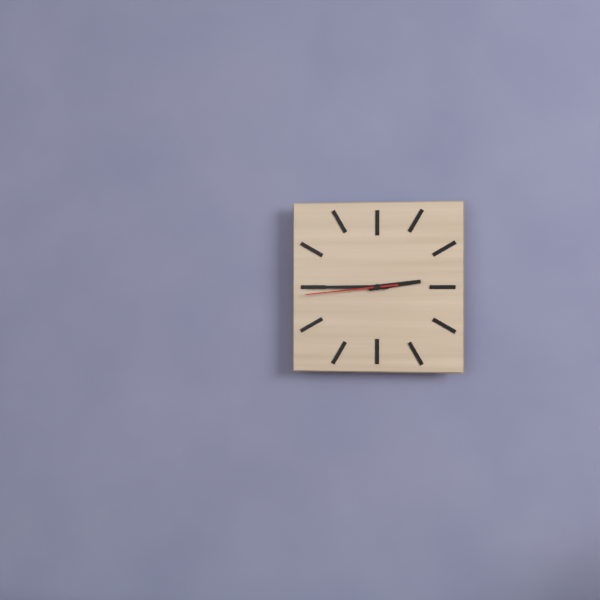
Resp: {"hour": 2, "minute": 45, "second": 44}
